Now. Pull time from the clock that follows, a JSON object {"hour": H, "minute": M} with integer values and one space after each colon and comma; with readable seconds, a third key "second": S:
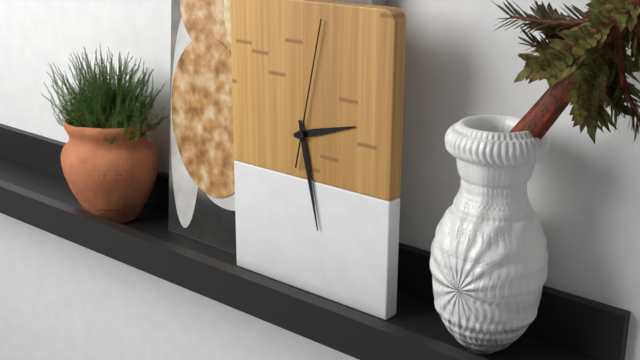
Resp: {"hour": 2, "minute": 28, "second": 2}
